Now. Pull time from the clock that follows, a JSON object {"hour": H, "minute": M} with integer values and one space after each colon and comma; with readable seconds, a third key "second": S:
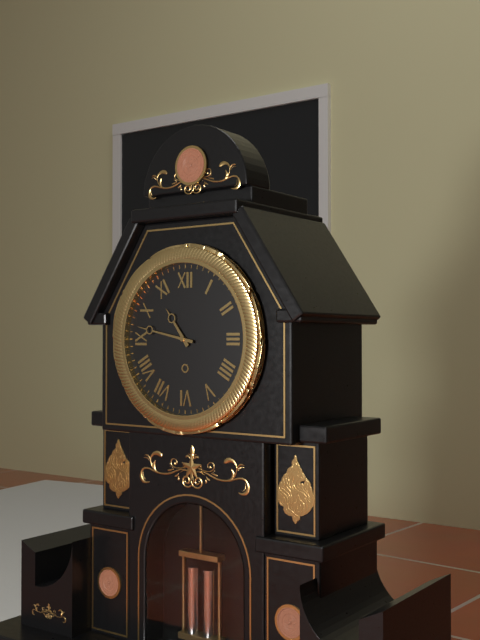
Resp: {"hour": 10, "minute": 47}
